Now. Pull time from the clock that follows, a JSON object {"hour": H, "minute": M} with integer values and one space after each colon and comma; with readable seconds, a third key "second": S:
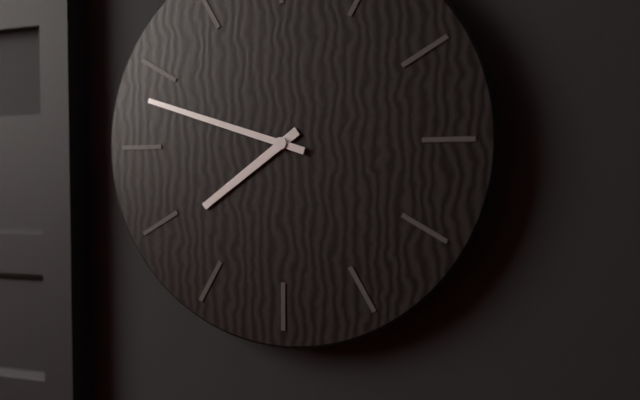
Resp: {"hour": 7, "minute": 48}
